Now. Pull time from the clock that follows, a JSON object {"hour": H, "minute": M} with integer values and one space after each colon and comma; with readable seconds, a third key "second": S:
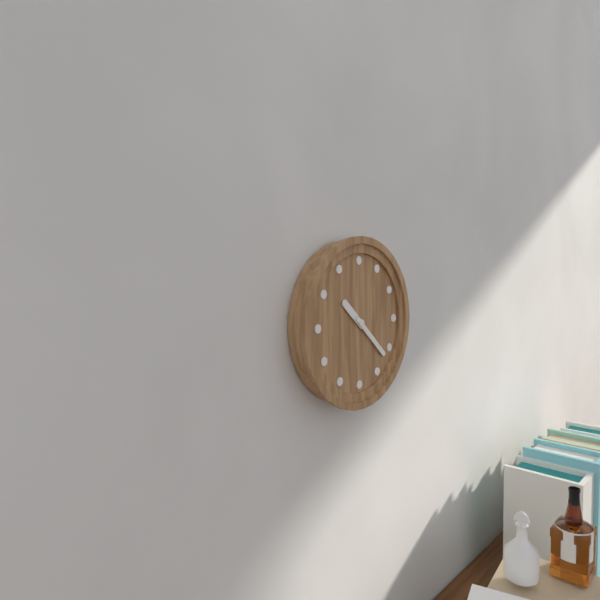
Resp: {"hour": 10, "minute": 22}
